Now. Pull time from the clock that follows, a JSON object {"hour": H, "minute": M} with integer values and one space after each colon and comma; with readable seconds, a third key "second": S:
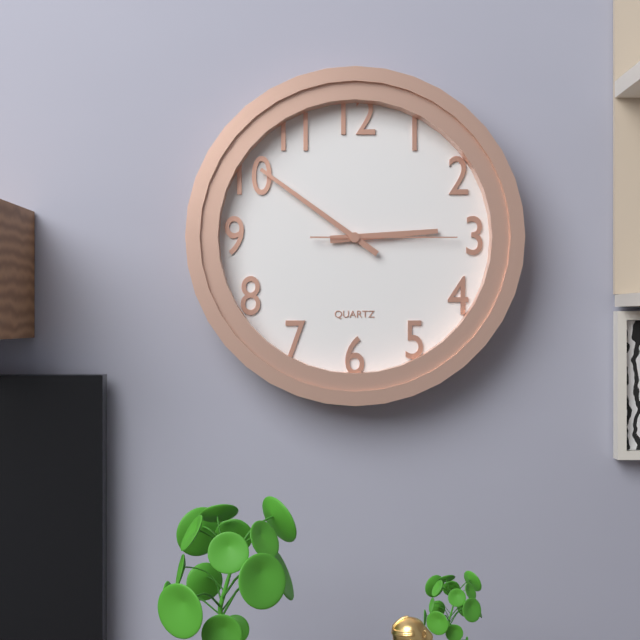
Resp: {"hour": 2, "minute": 51, "second": 15}
